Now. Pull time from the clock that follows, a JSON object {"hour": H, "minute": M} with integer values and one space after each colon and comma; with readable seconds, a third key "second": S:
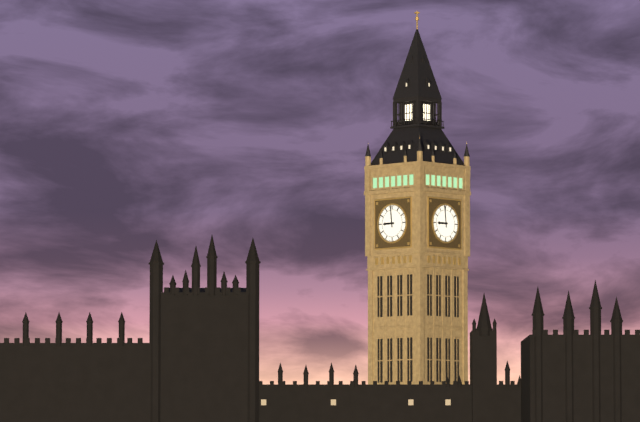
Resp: {"hour": 8, "minute": 59}
